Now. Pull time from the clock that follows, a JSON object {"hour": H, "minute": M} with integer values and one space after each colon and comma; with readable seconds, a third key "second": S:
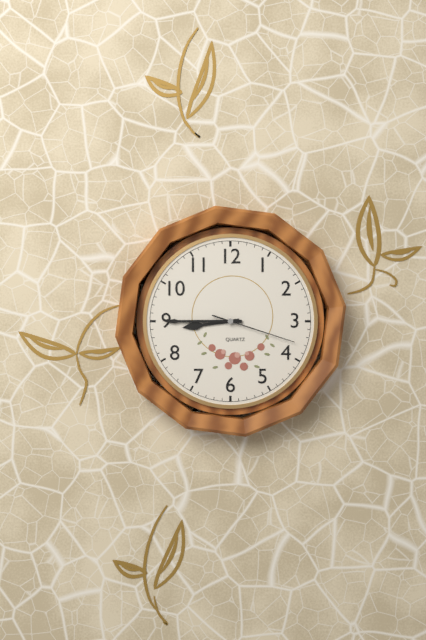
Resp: {"hour": 8, "minute": 45, "second": 18}
